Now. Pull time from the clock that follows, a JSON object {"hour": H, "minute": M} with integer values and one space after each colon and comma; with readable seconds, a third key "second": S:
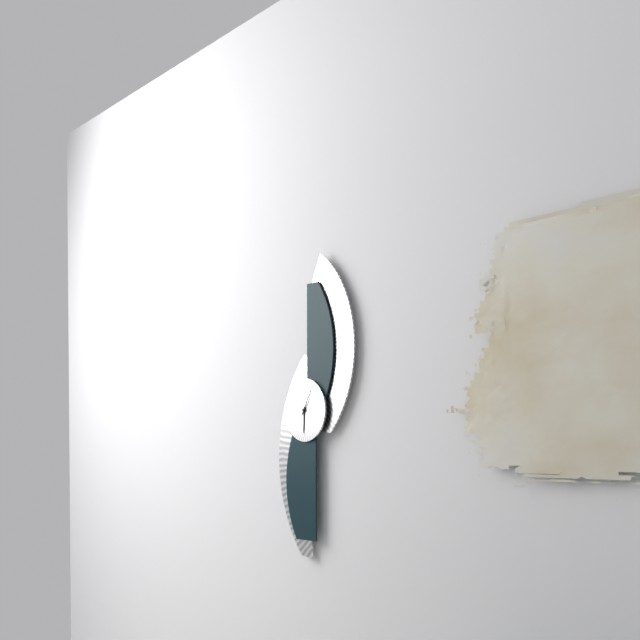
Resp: {"hour": 6, "minute": 5}
